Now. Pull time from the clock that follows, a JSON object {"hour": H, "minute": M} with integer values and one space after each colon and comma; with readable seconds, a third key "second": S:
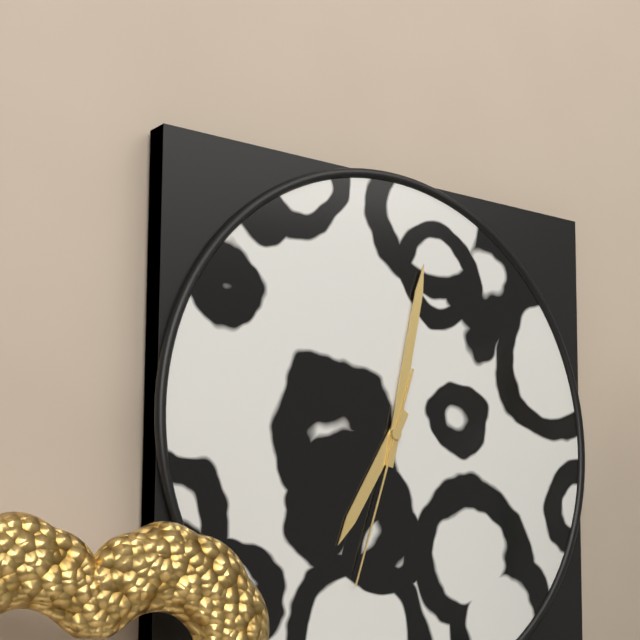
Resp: {"hour": 7, "minute": 2, "second": 33}
